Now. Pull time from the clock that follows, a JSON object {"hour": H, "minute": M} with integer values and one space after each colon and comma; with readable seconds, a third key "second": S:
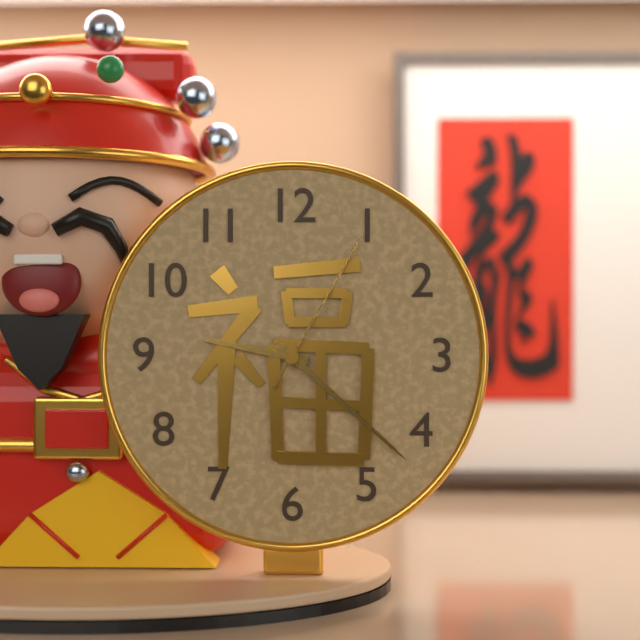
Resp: {"hour": 9, "minute": 22, "second": 5}
